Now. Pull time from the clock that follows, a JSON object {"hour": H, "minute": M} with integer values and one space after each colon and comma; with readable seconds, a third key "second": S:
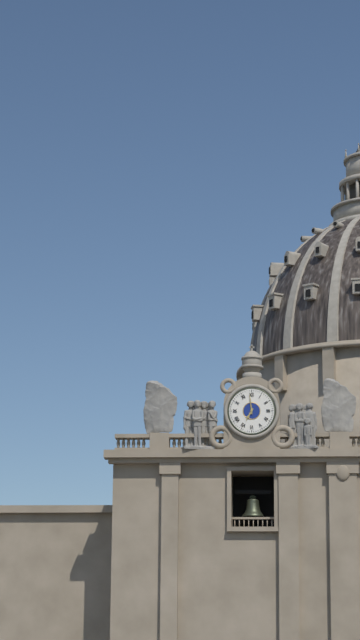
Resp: {"hour": 6, "minute": 59}
